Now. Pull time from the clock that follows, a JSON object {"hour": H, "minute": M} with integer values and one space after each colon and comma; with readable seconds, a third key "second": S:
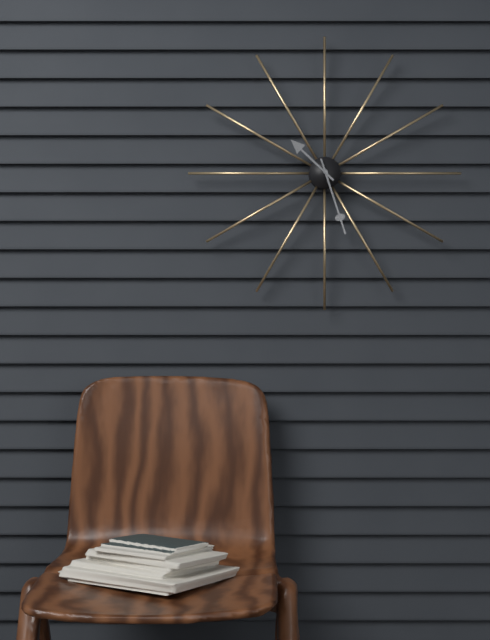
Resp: {"hour": 10, "minute": 27}
